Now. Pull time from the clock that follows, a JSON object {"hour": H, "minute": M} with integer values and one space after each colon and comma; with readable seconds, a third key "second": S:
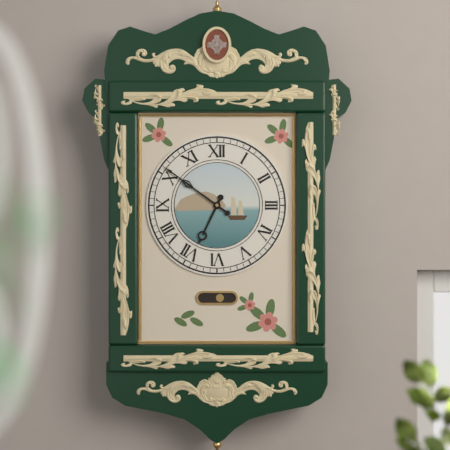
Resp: {"hour": 6, "minute": 51}
